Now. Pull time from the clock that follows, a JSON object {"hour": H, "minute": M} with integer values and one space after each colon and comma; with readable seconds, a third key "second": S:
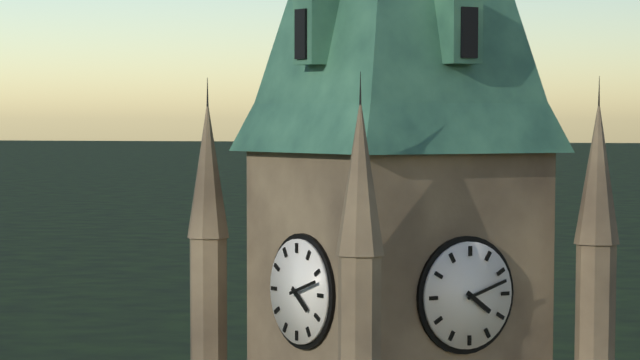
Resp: {"hour": 4, "minute": 12}
